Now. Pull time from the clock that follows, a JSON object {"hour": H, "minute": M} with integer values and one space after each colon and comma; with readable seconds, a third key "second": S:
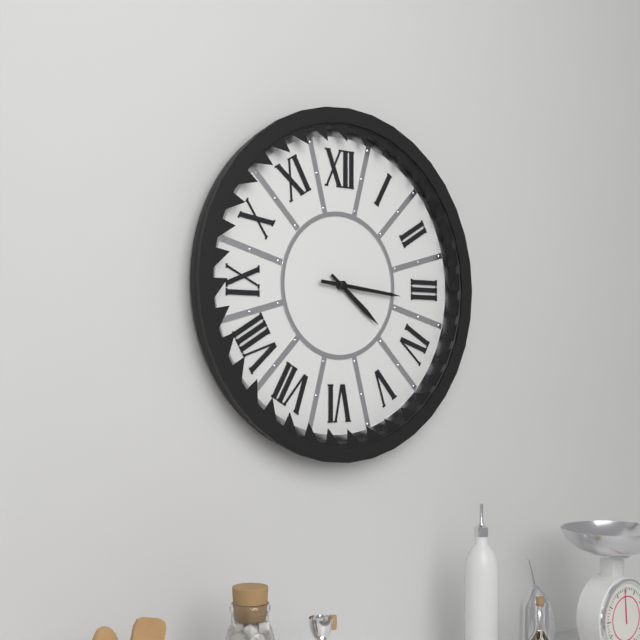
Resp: {"hour": 4, "minute": 16}
